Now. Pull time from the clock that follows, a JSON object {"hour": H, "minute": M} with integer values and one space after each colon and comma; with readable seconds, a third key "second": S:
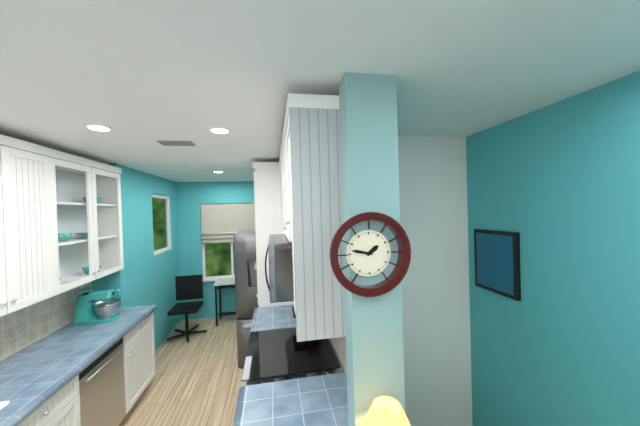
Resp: {"hour": 1, "minute": 47}
